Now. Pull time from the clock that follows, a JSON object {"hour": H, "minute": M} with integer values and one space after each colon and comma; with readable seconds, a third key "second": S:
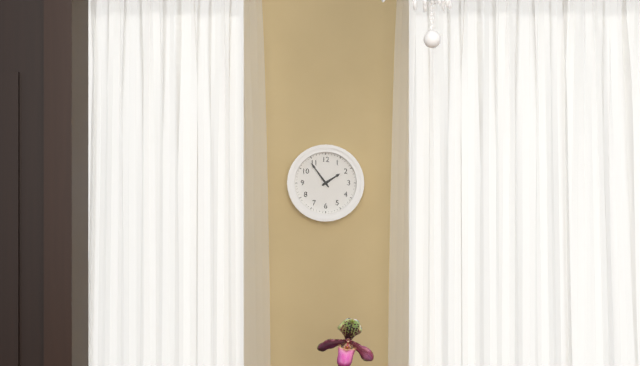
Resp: {"hour": 1, "minute": 54}
